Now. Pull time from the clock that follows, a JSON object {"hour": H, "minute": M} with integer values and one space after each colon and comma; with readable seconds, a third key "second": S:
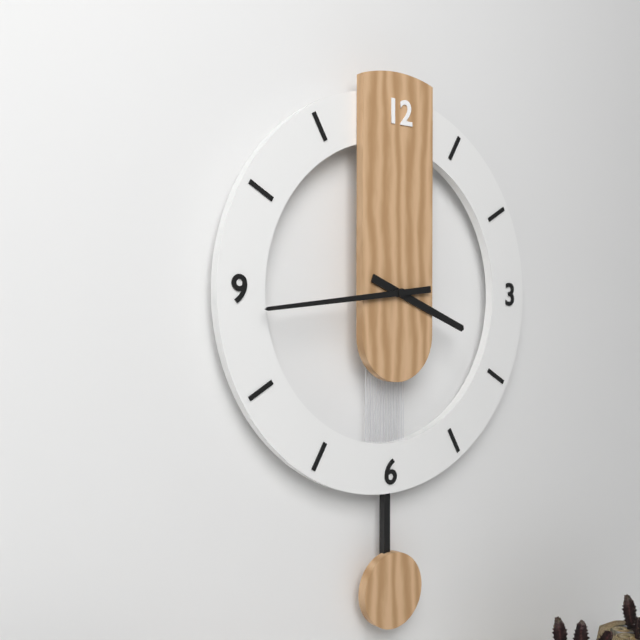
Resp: {"hour": 3, "minute": 44}
